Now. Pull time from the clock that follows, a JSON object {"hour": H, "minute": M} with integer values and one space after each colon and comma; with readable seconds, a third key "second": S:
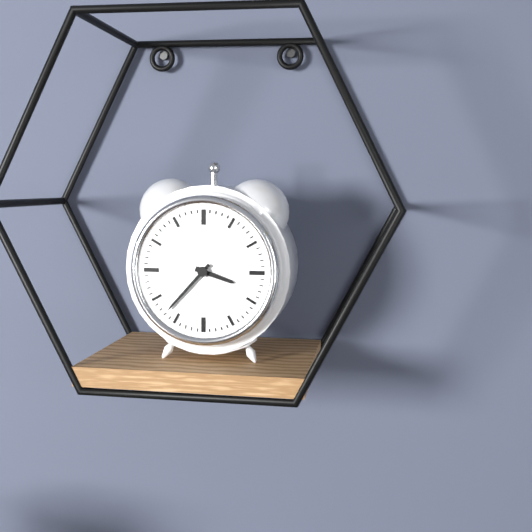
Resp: {"hour": 3, "minute": 37}
